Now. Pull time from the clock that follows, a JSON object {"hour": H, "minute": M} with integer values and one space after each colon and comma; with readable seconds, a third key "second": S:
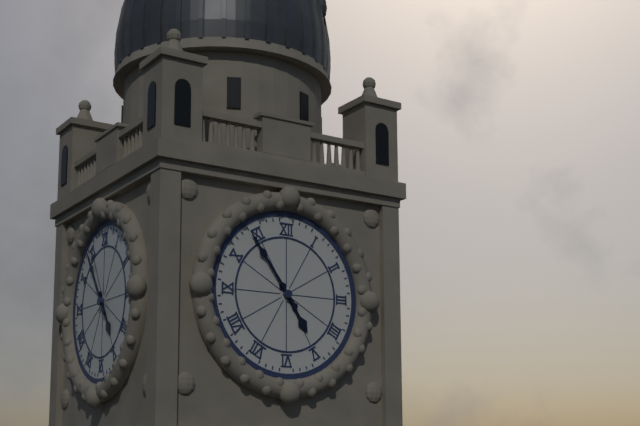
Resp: {"hour": 4, "minute": 54}
